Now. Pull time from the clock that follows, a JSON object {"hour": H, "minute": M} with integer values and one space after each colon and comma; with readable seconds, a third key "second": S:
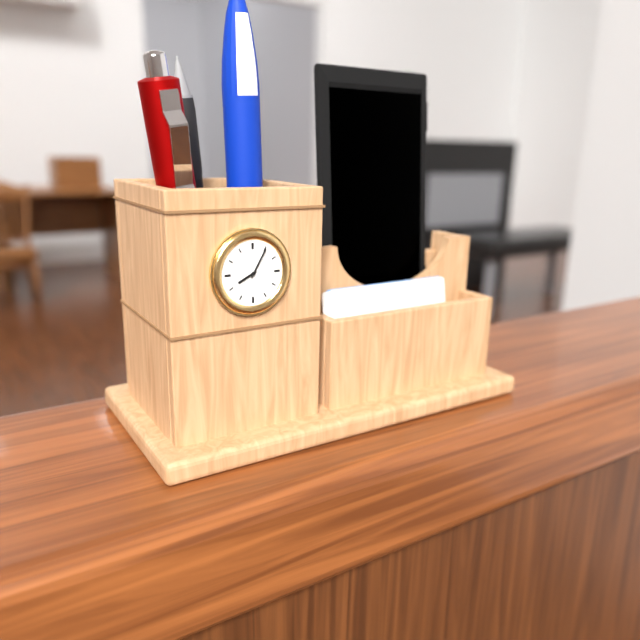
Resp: {"hour": 8, "minute": 5}
